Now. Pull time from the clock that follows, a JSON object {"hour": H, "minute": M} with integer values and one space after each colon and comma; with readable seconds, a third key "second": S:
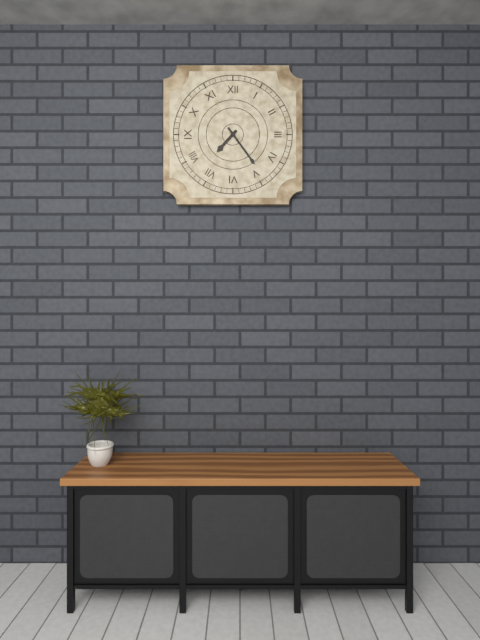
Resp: {"hour": 7, "minute": 24}
